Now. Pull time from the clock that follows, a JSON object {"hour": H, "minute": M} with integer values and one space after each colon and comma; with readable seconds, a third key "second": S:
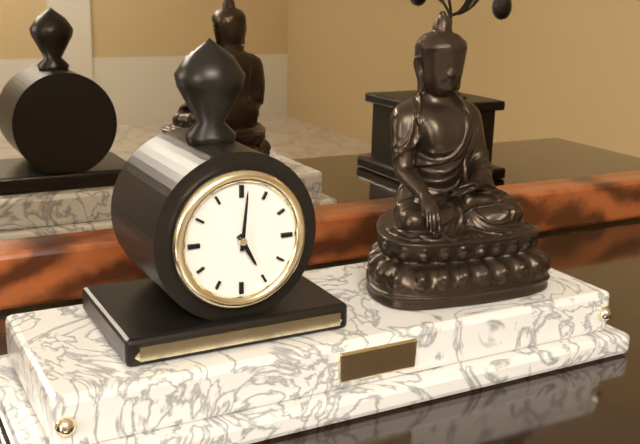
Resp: {"hour": 5, "minute": 1}
